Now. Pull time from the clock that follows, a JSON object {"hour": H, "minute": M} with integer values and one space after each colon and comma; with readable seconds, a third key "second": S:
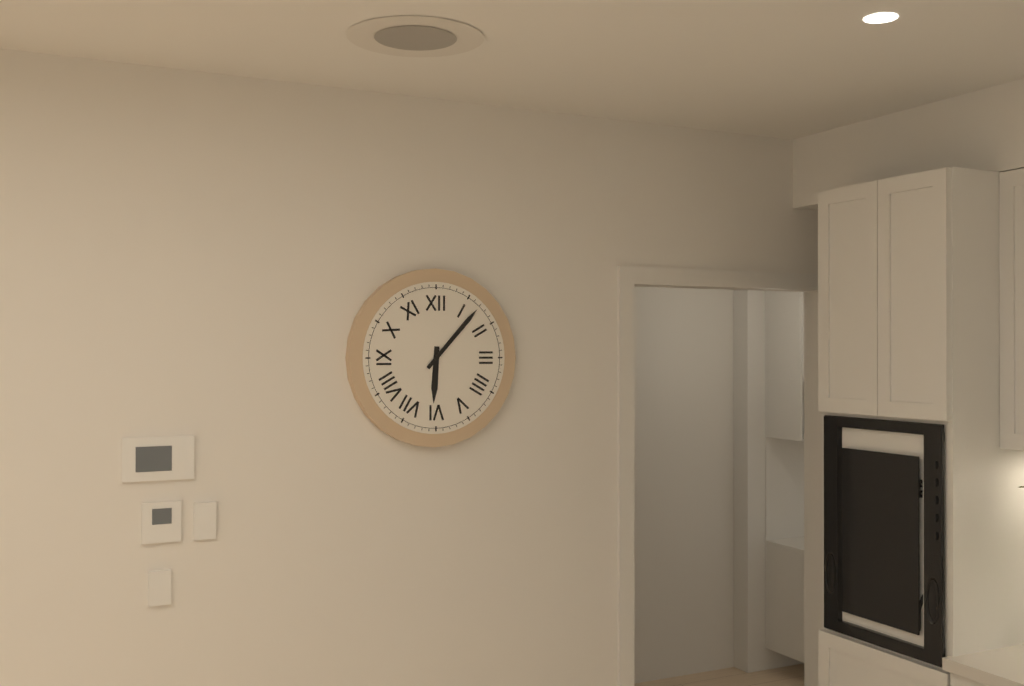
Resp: {"hour": 6, "minute": 7}
